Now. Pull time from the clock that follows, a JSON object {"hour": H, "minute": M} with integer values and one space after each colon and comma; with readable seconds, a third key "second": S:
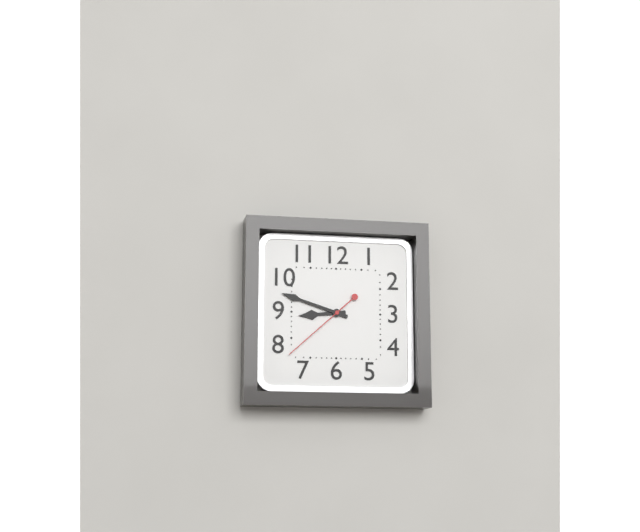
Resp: {"hour": 8, "minute": 48, "second": 38}
